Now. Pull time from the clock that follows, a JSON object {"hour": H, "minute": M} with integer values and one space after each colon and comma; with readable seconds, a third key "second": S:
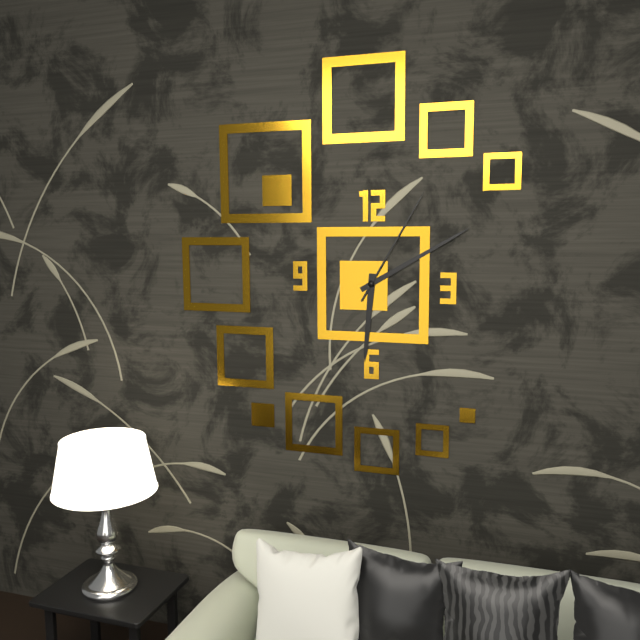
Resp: {"hour": 6, "minute": 10, "second": 5}
